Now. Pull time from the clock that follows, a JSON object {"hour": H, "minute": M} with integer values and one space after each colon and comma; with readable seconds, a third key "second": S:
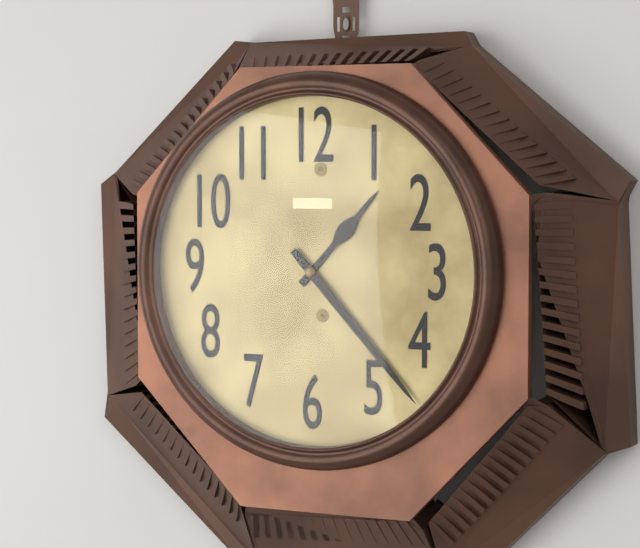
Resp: {"hour": 1, "minute": 23}
